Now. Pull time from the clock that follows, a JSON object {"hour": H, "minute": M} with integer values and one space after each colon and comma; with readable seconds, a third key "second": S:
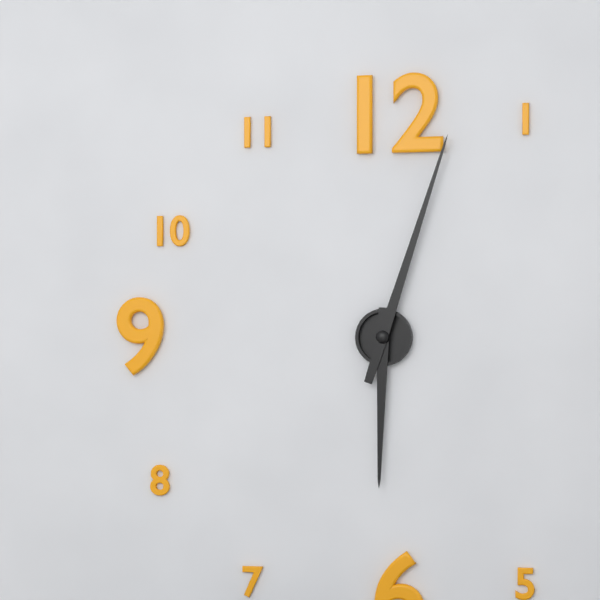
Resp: {"hour": 6, "minute": 3}
